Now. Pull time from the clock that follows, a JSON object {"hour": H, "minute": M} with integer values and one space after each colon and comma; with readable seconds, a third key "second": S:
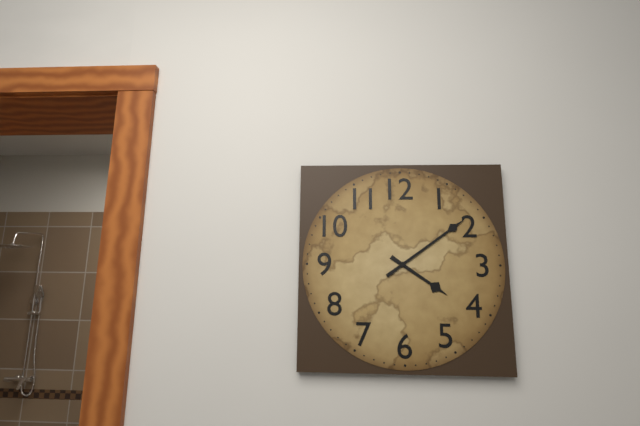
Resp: {"hour": 4, "minute": 9}
